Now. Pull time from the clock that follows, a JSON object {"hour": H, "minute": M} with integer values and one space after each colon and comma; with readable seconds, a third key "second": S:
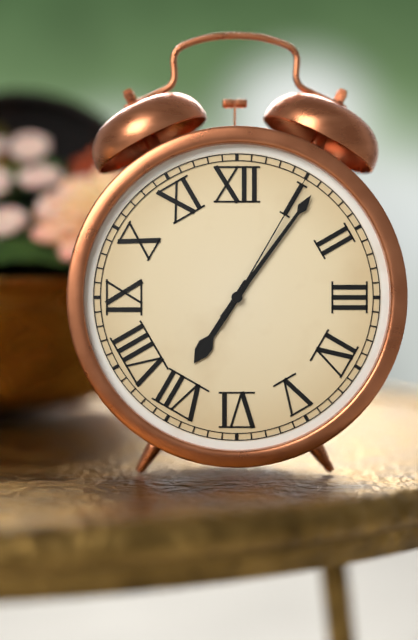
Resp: {"hour": 7, "minute": 6, "second": 5}
